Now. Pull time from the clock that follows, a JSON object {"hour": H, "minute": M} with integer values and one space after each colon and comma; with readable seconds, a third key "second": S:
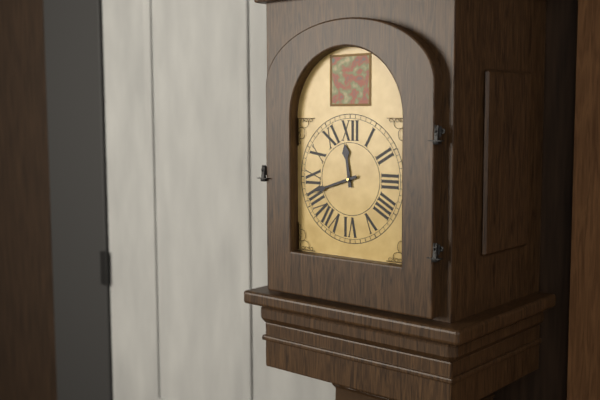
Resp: {"hour": 11, "minute": 42}
